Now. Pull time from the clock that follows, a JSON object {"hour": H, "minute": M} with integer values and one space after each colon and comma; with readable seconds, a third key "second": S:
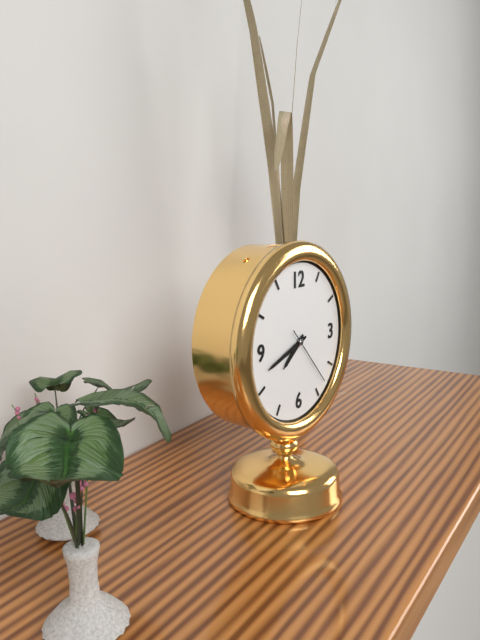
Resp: {"hour": 7, "minute": 42, "second": 23}
